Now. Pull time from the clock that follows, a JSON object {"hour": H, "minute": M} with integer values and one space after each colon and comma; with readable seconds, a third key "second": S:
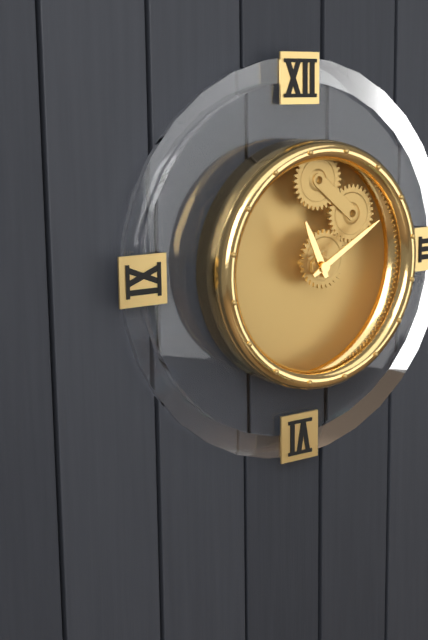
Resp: {"hour": 11, "minute": 10}
